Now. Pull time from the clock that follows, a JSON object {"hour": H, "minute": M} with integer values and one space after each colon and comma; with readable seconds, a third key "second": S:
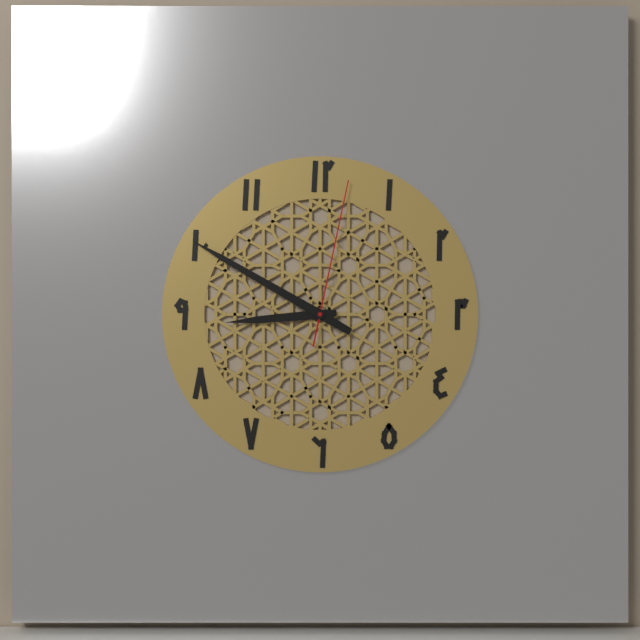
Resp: {"hour": 8, "minute": 50, "second": 2}
